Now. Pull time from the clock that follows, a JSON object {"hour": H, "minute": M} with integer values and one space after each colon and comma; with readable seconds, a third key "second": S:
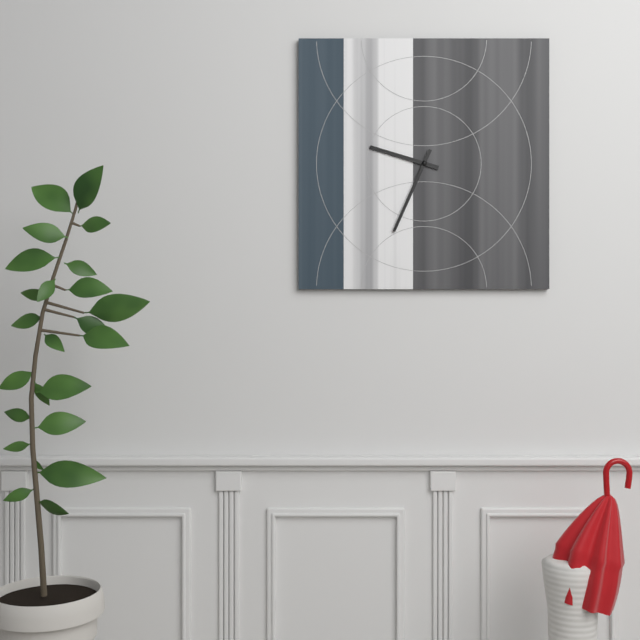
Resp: {"hour": 9, "minute": 34}
